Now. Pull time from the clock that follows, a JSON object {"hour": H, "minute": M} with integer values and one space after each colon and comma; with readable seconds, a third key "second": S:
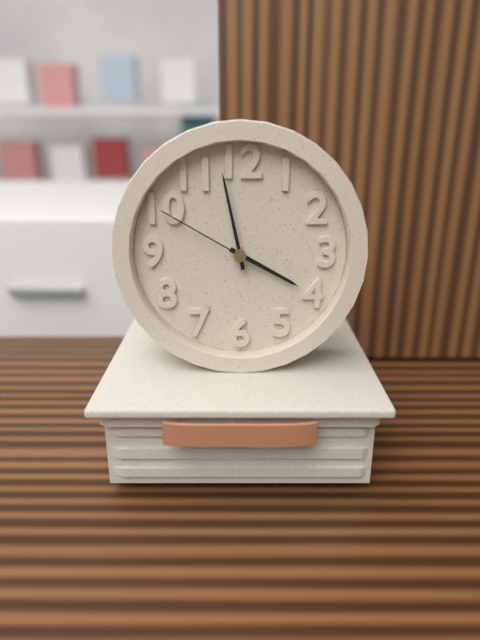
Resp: {"hour": 3, "minute": 58, "second": 50}
